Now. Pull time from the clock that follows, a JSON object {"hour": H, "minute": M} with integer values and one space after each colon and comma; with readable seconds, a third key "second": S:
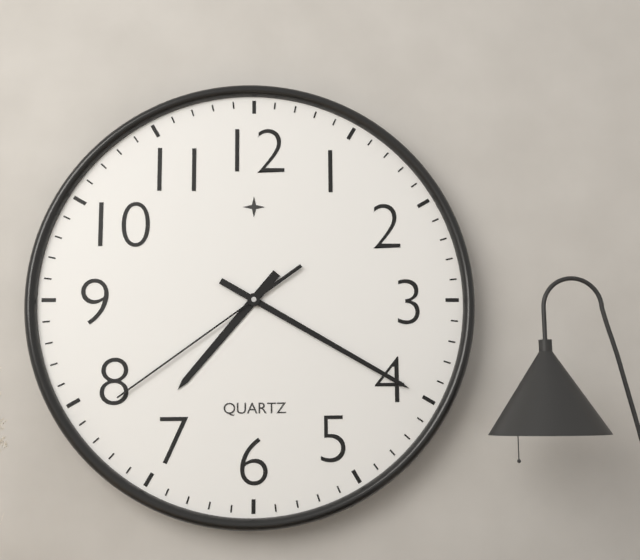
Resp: {"hour": 7, "minute": 20, "second": 39}
